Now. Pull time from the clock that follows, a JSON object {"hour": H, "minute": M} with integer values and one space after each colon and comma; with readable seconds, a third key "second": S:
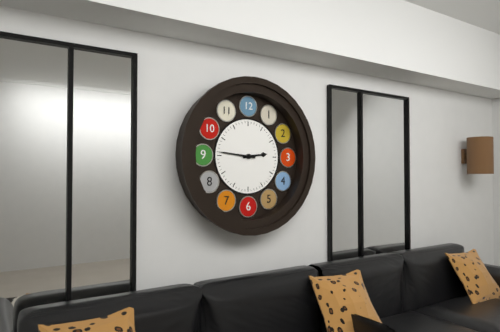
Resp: {"hour": 2, "minute": 46}
